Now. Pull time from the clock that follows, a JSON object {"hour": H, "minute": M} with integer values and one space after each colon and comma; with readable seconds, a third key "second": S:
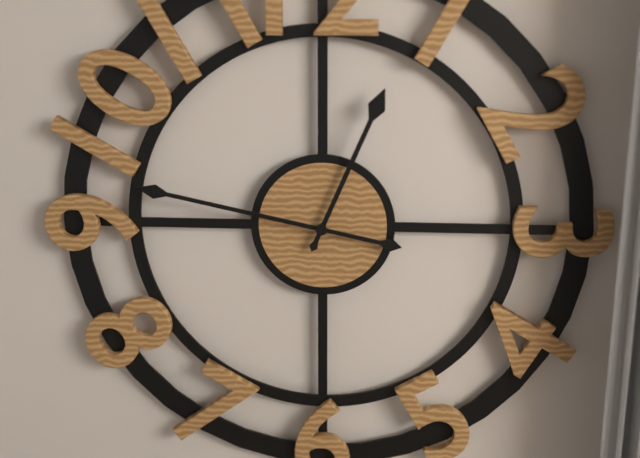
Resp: {"hour": 12, "minute": 47}
